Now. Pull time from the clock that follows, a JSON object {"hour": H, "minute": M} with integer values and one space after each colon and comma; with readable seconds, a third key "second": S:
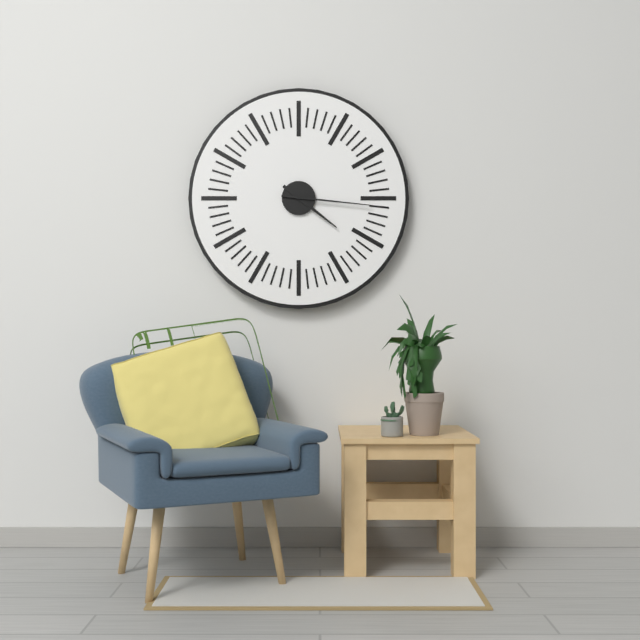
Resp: {"hour": 4, "minute": 16}
